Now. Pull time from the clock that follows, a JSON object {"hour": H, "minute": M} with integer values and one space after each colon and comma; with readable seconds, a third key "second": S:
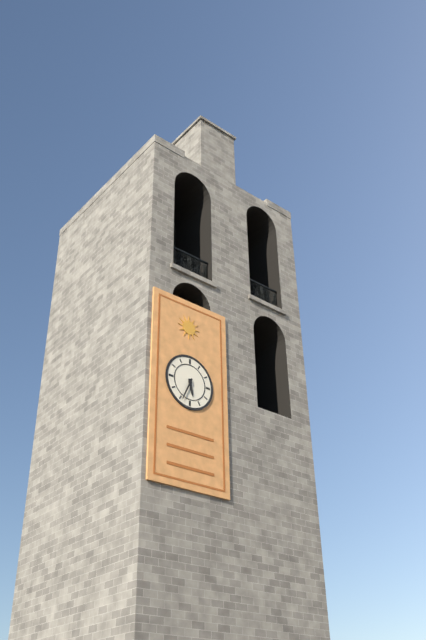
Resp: {"hour": 5, "minute": 34}
